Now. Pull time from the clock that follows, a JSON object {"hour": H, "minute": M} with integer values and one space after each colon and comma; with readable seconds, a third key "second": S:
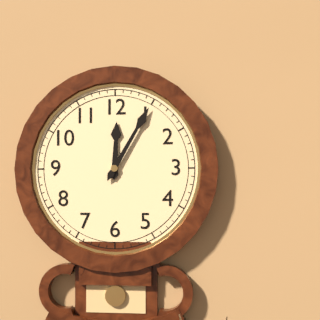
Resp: {"hour": 12, "minute": 5}
